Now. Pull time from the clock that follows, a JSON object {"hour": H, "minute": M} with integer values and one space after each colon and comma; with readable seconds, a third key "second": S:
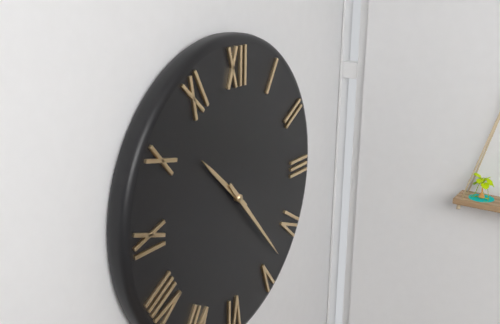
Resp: {"hour": 10, "minute": 23}
